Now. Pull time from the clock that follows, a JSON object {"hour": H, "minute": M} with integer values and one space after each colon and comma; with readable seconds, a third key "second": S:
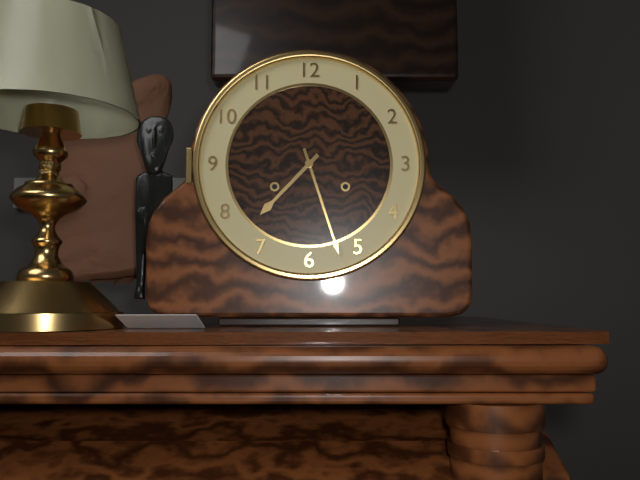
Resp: {"hour": 7, "minute": 27}
